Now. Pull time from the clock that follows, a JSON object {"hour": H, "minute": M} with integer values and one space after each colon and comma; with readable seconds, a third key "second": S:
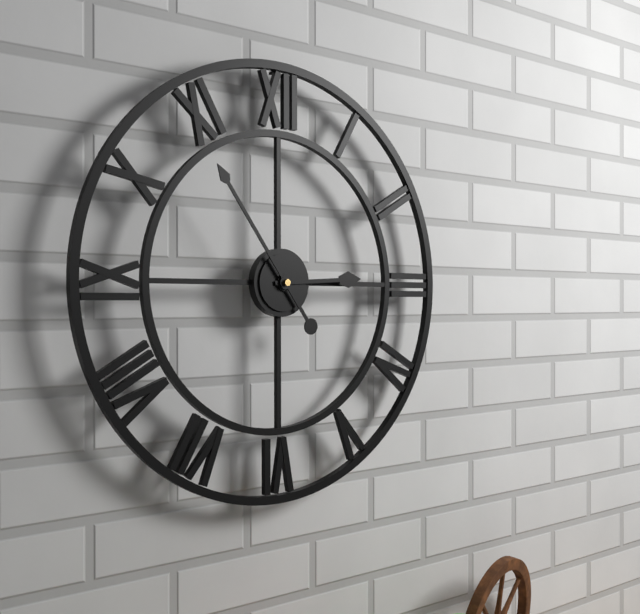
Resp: {"hour": 2, "minute": 54}
